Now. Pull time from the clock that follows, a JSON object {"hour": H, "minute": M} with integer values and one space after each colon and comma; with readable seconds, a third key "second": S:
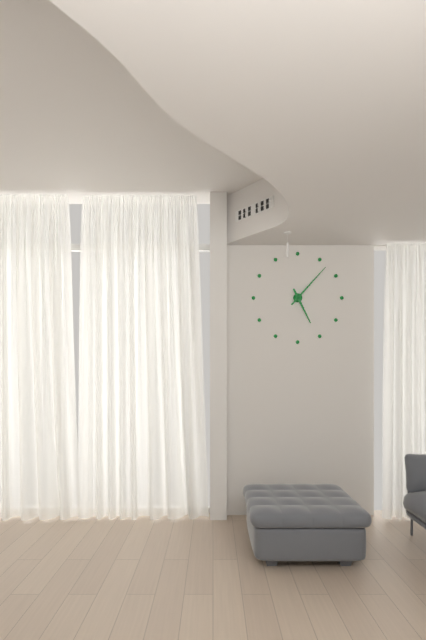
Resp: {"hour": 5, "minute": 7}
